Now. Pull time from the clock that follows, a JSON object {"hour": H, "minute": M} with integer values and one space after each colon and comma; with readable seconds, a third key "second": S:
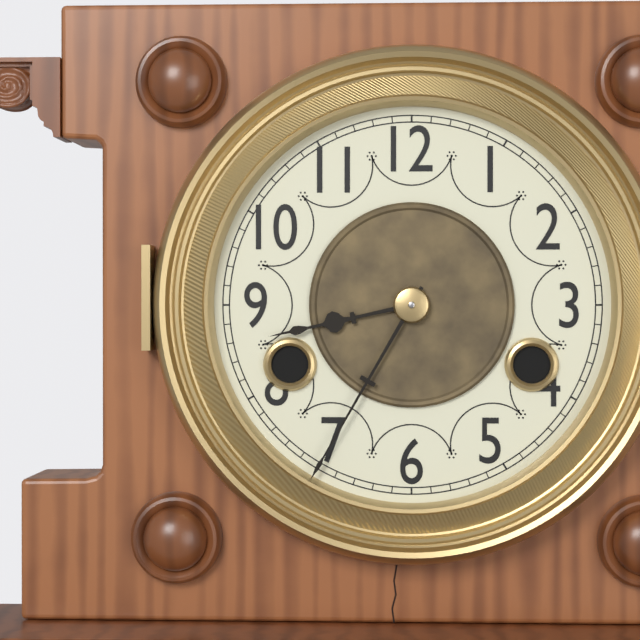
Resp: {"hour": 8, "minute": 35}
